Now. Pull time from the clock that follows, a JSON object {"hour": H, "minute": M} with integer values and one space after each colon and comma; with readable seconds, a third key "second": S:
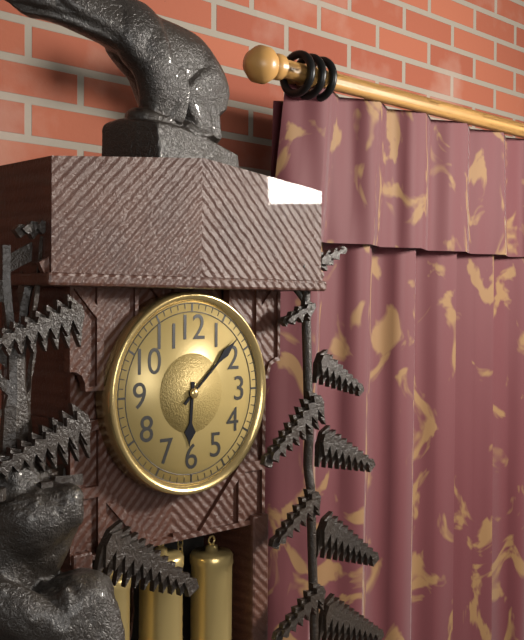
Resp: {"hour": 6, "minute": 8}
